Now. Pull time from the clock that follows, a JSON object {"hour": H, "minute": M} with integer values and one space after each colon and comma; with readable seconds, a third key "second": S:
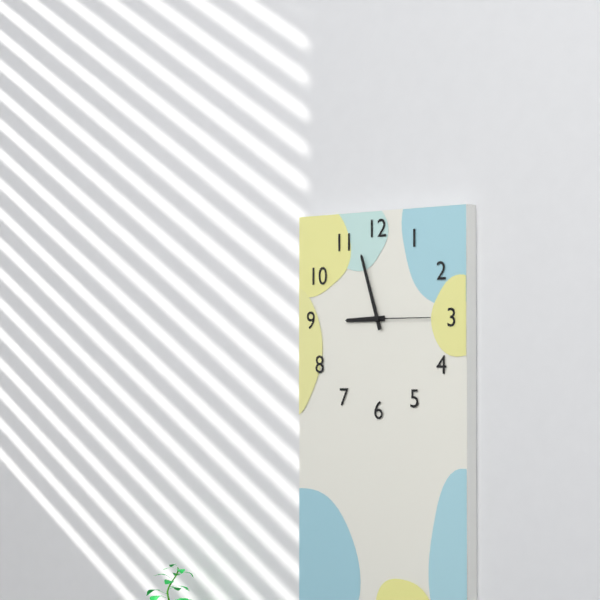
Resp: {"hour": 8, "minute": 57, "second": 15}
